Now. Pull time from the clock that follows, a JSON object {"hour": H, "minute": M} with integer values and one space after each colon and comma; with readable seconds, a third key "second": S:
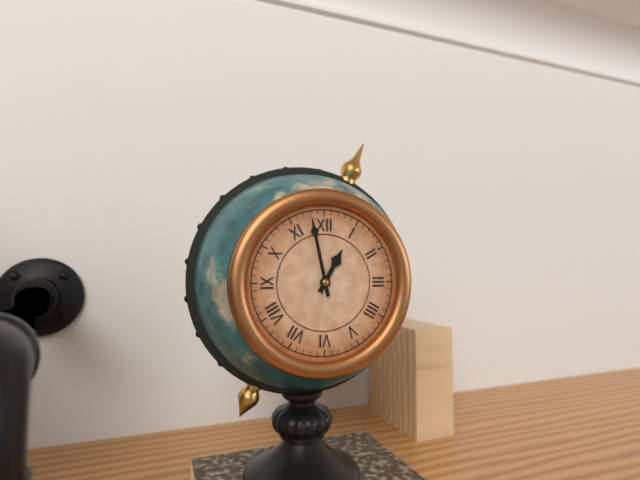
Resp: {"hour": 12, "minute": 58}
